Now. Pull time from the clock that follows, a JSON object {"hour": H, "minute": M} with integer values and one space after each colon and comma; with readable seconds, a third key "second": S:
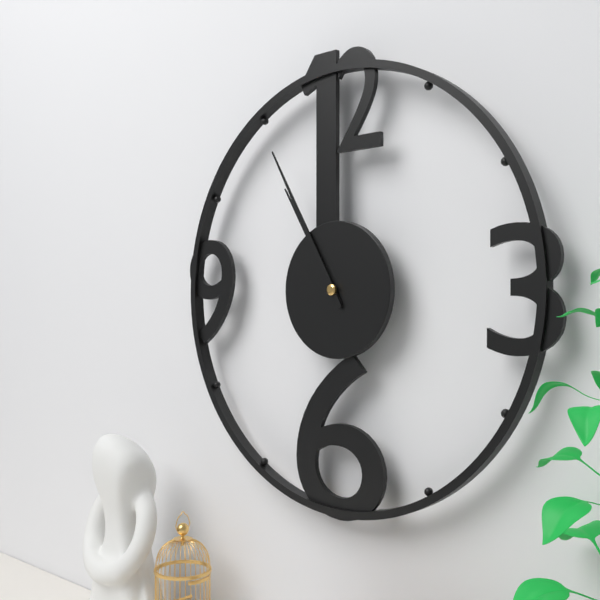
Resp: {"hour": 10, "minute": 55}
